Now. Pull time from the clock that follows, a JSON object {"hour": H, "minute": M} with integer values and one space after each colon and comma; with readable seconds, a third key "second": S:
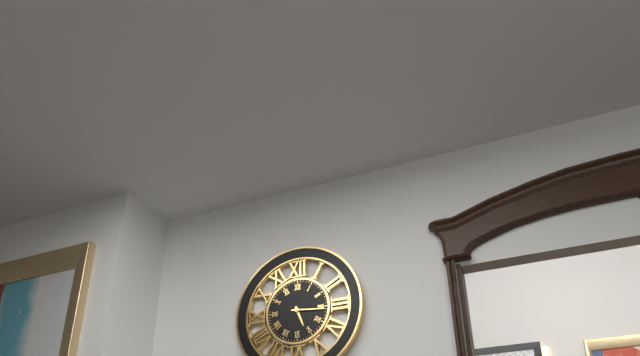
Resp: {"hour": 5, "minute": 16}
